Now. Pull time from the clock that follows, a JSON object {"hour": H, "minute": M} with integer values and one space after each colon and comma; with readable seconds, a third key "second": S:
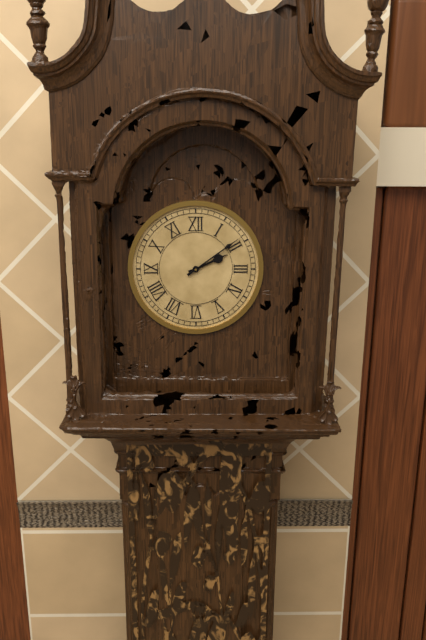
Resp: {"hour": 2, "minute": 9}
